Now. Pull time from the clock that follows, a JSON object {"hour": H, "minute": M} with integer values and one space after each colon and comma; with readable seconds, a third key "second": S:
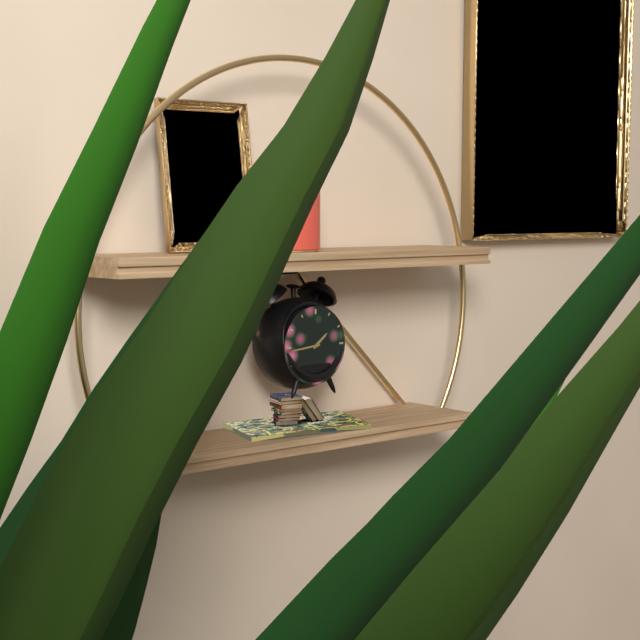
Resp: {"hour": 1, "minute": 44}
